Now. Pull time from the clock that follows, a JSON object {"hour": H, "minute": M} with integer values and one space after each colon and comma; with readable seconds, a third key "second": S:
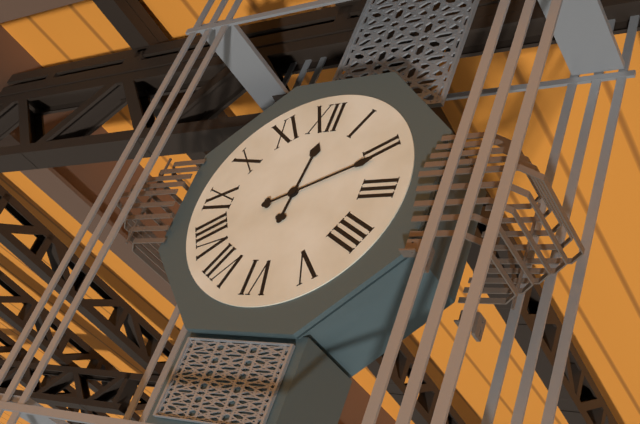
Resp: {"hour": 12, "minute": 11}
